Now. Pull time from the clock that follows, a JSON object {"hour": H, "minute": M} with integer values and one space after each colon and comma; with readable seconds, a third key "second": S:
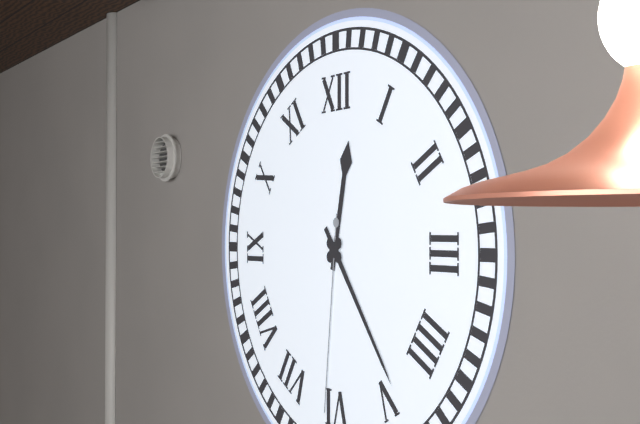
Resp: {"hour": 12, "minute": 24, "second": 31}
